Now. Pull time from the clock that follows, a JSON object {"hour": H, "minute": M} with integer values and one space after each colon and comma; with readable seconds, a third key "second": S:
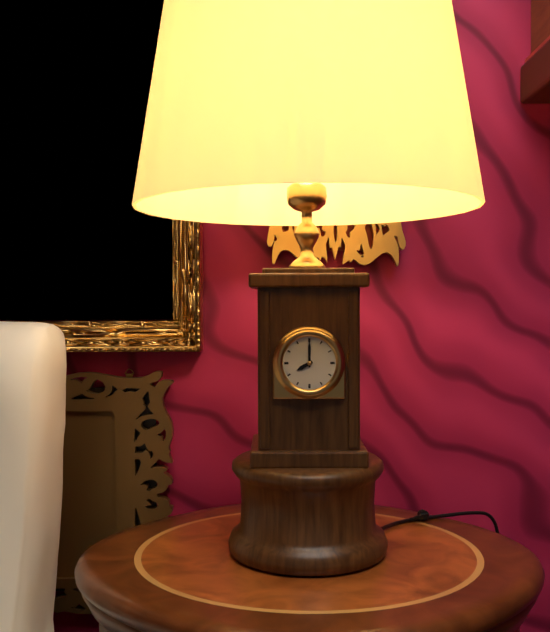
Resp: {"hour": 8, "minute": 0}
